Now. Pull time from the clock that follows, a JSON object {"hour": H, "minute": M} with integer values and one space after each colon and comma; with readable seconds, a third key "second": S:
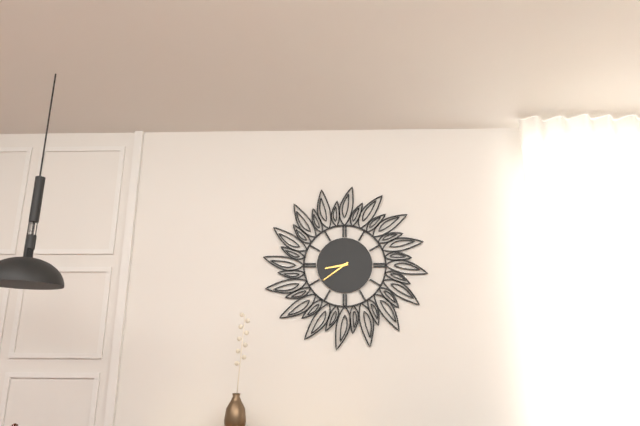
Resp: {"hour": 8, "minute": 39}
